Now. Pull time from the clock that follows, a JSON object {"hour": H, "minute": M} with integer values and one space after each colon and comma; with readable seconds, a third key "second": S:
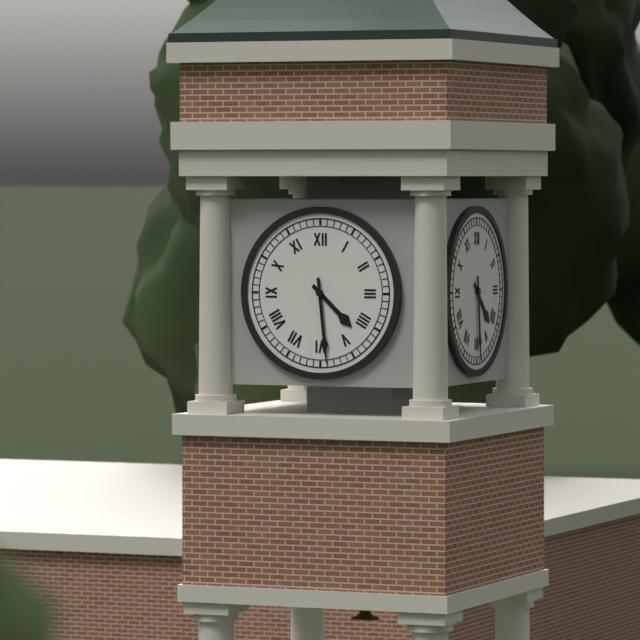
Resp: {"hour": 4, "minute": 29}
